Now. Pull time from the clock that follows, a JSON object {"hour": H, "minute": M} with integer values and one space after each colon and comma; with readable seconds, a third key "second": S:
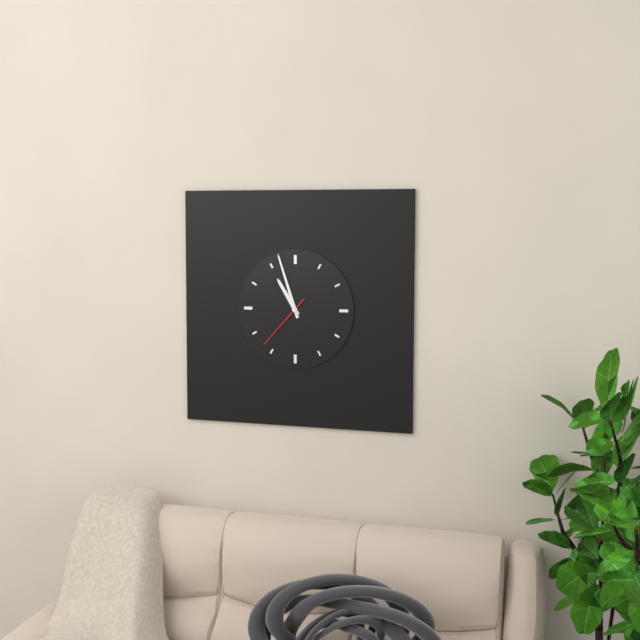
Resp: {"hour": 10, "minute": 57, "second": 37}
